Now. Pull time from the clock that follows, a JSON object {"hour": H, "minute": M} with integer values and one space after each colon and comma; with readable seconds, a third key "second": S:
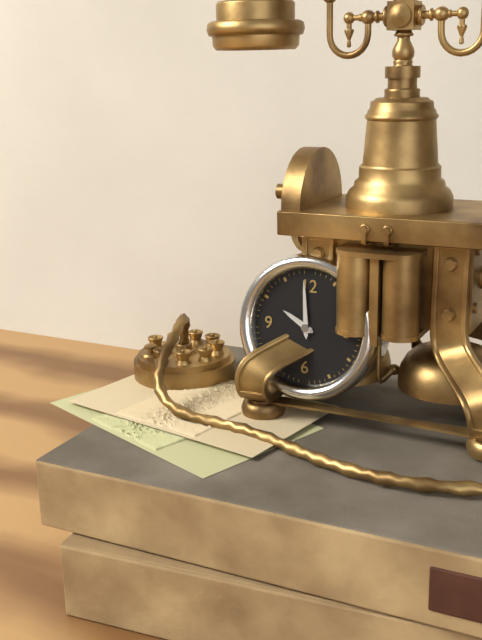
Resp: {"hour": 9, "minute": 59}
